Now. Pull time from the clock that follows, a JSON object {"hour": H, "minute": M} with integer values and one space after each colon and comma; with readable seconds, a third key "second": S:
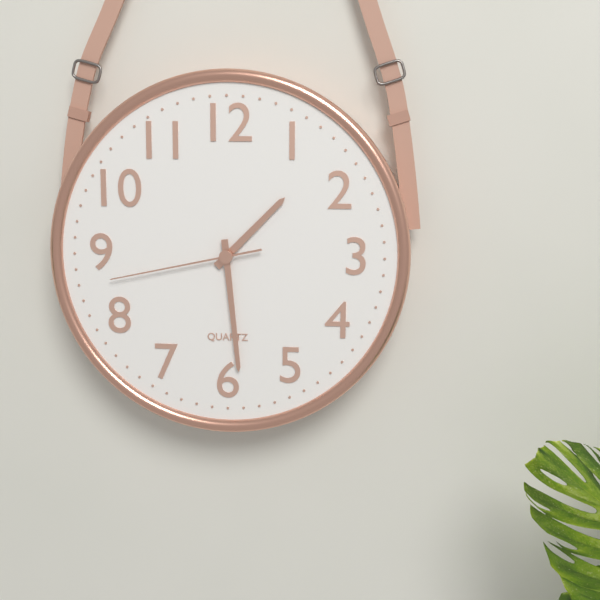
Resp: {"hour": 1, "minute": 29, "second": 43}
